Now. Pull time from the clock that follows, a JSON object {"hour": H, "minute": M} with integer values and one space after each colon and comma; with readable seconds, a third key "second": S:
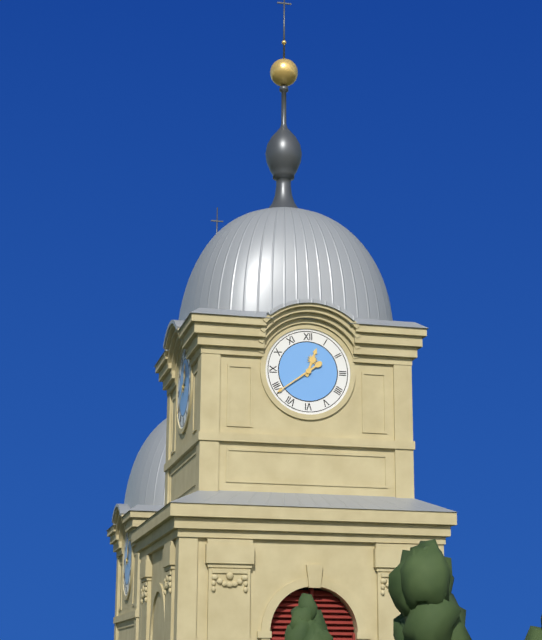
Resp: {"hour": 12, "minute": 39}
